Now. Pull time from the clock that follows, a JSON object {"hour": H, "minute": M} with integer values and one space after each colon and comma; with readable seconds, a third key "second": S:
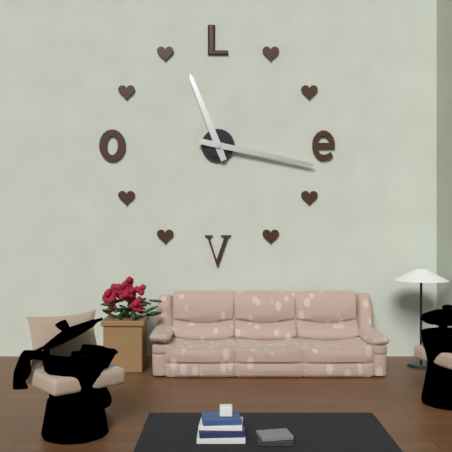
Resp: {"hour": 11, "minute": 17}
